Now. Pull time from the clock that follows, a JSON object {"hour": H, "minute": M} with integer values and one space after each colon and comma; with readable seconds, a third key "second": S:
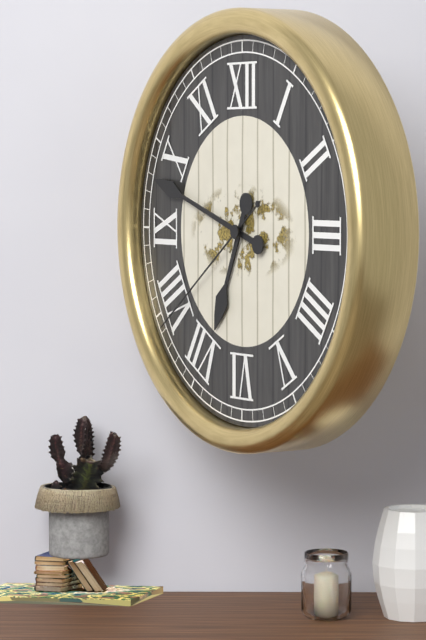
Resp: {"hour": 6, "minute": 48, "second": 39}
